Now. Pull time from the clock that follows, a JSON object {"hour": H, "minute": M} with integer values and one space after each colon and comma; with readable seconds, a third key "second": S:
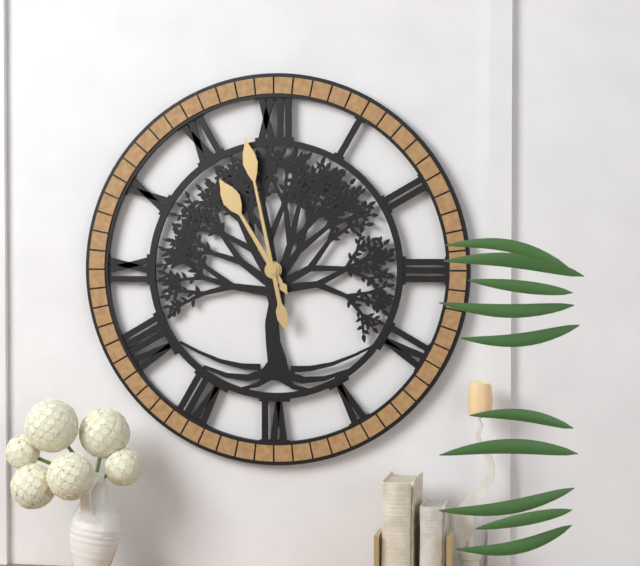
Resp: {"hour": 10, "minute": 58}
